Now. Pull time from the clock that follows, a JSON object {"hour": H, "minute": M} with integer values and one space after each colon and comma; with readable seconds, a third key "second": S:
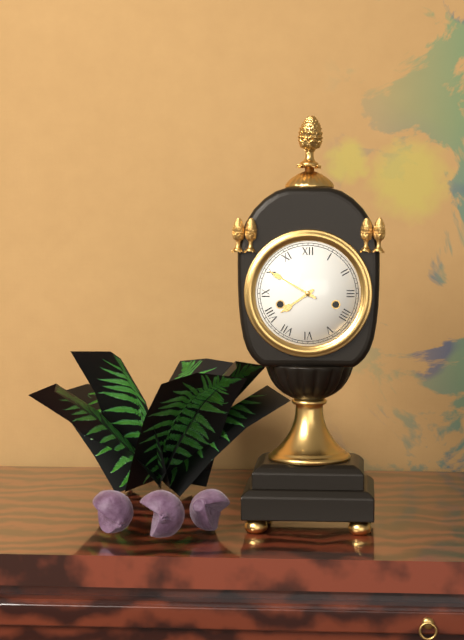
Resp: {"hour": 7, "minute": 50}
